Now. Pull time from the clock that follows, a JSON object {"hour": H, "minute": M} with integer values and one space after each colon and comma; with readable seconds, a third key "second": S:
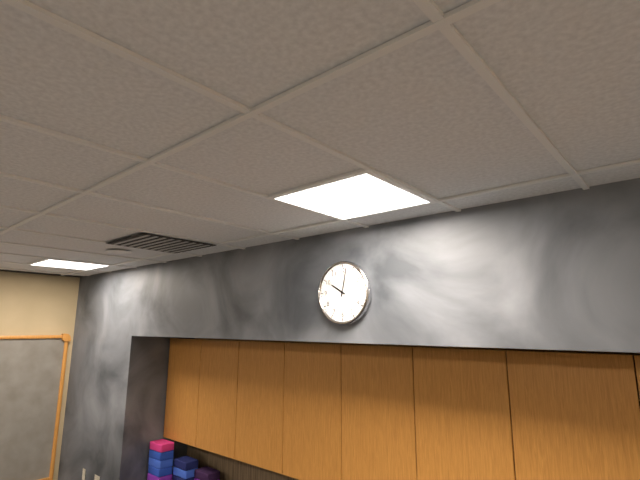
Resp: {"hour": 10, "minute": 2}
